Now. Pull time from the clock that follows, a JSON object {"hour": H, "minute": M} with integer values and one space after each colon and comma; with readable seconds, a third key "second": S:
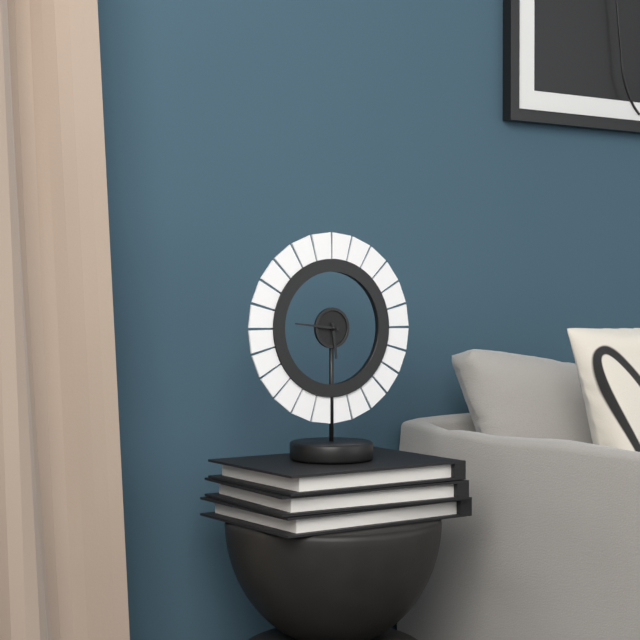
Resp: {"hour": 5, "minute": 46}
